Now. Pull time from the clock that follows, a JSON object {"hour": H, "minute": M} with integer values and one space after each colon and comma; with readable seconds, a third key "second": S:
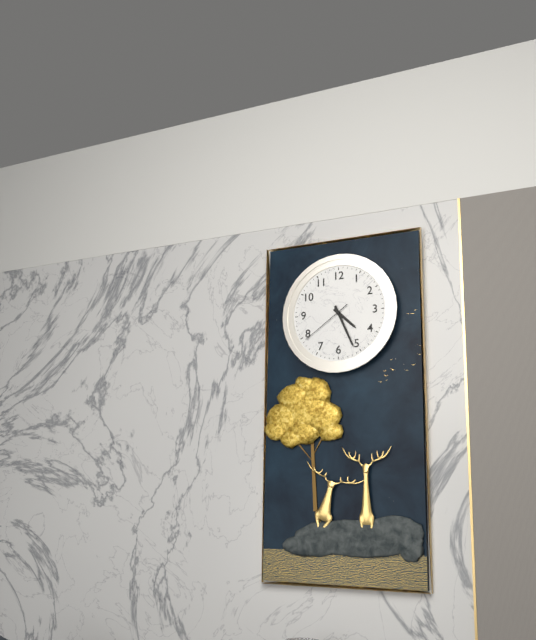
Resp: {"hour": 4, "minute": 26, "second": 39}
